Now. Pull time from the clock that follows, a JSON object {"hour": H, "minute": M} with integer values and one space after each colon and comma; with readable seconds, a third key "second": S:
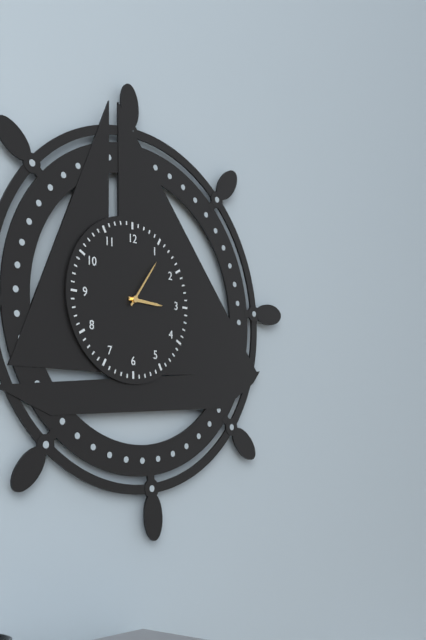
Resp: {"hour": 3, "minute": 6}
